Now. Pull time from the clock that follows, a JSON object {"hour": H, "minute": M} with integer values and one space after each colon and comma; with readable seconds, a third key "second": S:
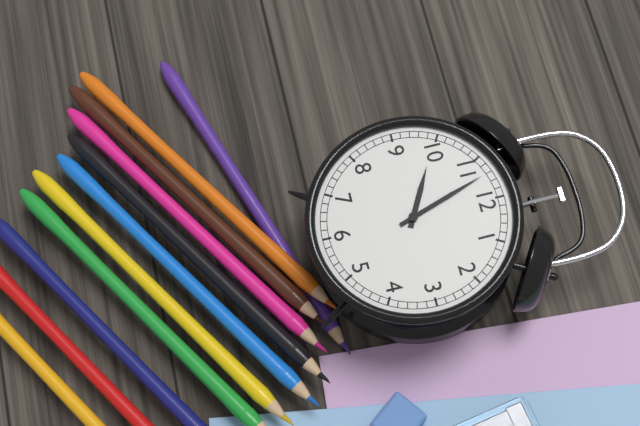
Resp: {"hour": 9, "minute": 57}
